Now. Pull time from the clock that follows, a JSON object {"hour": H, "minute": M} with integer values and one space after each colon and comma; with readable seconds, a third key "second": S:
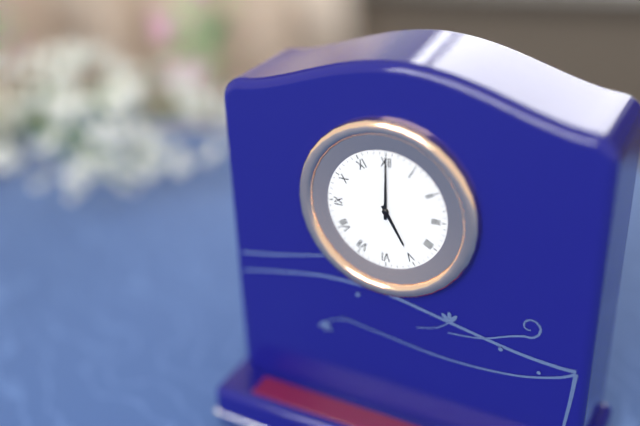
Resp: {"hour": 5, "minute": 0}
